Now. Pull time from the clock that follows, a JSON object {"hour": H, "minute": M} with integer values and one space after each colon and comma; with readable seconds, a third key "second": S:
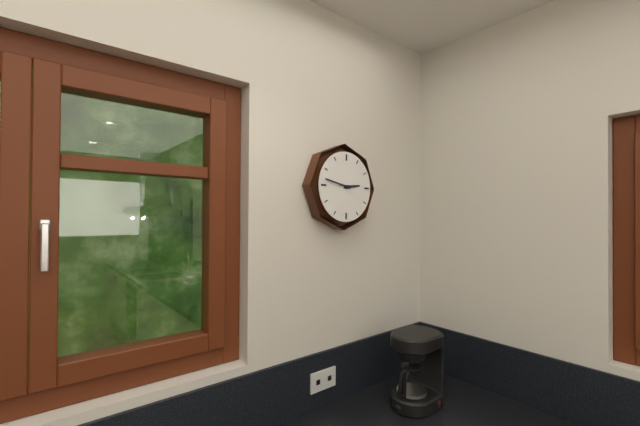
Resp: {"hour": 2, "minute": 47}
